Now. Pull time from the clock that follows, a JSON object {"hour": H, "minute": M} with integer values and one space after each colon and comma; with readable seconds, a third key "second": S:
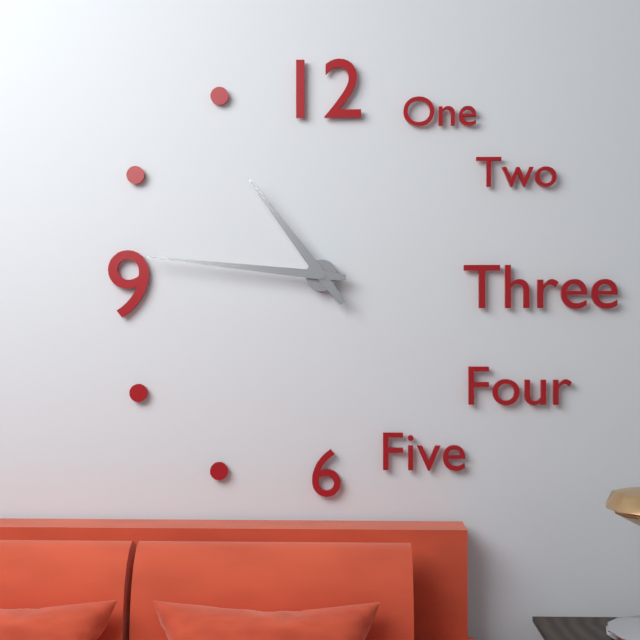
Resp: {"hour": 10, "minute": 46}
